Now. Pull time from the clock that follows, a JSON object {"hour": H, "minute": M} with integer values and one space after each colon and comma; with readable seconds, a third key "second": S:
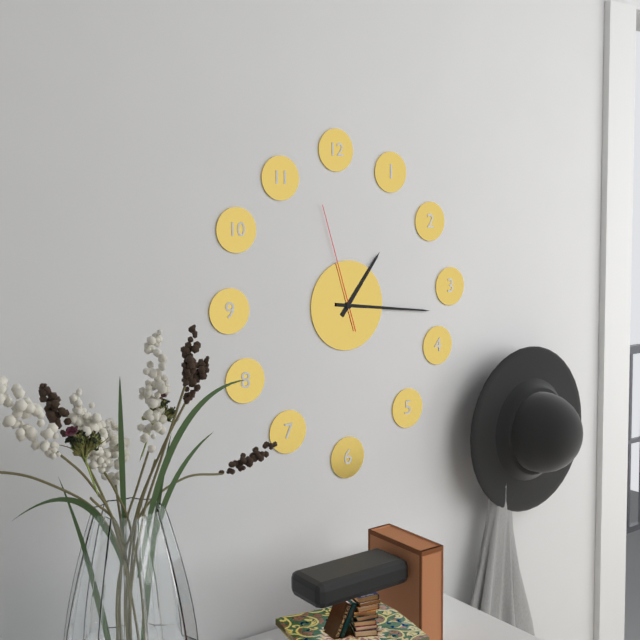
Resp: {"hour": 1, "minute": 16, "second": 57}
